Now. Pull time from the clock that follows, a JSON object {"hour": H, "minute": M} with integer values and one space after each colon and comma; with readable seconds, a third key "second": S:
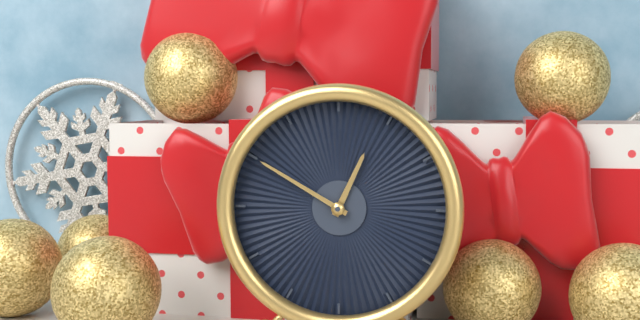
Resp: {"hour": 12, "minute": 50}
